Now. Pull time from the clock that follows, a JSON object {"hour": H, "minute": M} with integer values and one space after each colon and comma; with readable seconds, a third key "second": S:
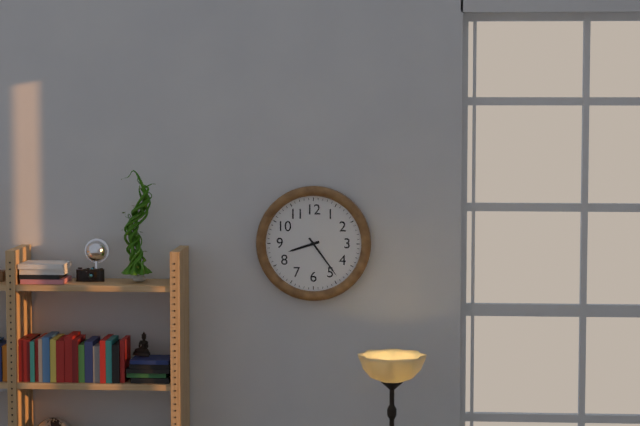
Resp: {"hour": 8, "minute": 24}
